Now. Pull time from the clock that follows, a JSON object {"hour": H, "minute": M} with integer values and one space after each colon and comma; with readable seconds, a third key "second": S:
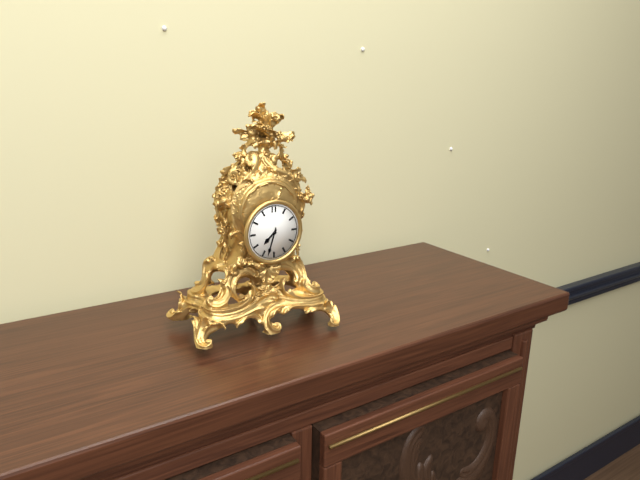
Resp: {"hour": 7, "minute": 33}
